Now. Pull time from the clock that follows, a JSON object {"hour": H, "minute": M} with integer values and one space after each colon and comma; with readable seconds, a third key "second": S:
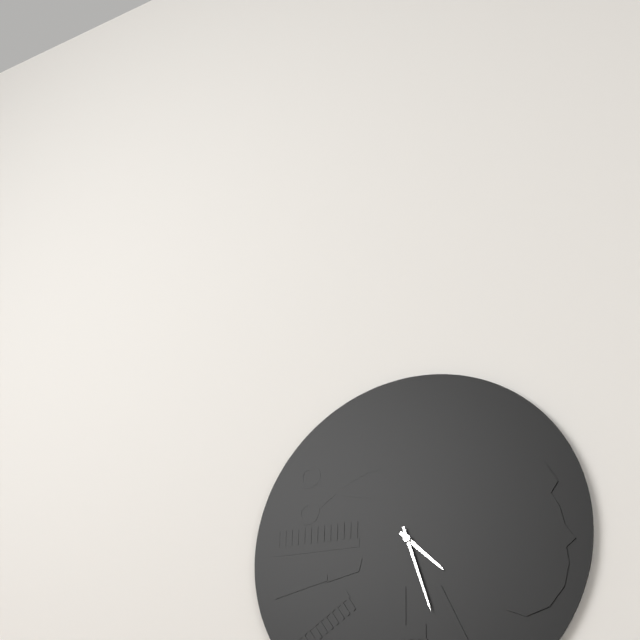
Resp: {"hour": 4, "minute": 27}
